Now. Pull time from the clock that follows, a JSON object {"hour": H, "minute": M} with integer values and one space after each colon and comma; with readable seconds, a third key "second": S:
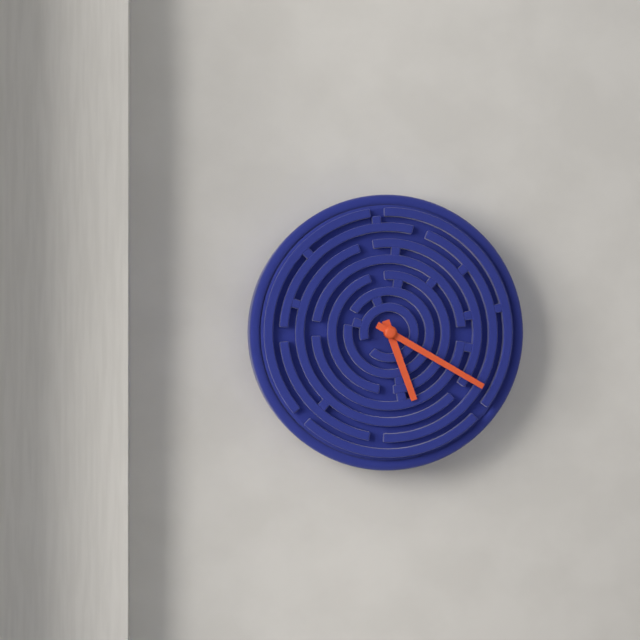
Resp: {"hour": 5, "minute": 20}
